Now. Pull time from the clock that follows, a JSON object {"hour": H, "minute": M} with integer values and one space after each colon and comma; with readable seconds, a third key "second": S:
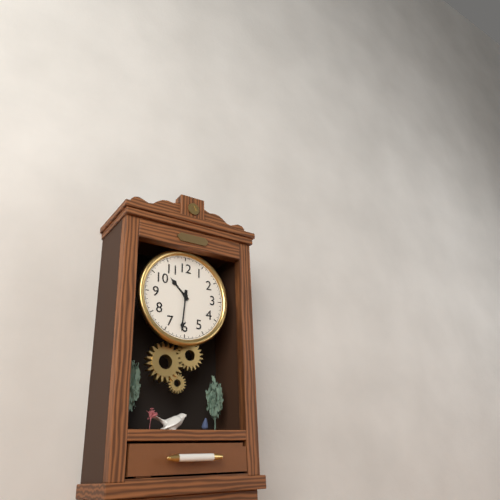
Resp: {"hour": 10, "minute": 31}
